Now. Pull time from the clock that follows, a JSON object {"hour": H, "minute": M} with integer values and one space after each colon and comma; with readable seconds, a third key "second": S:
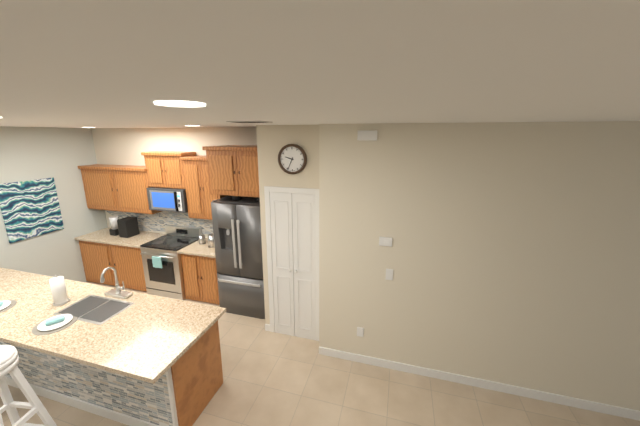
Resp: {"hour": 9, "minute": 34}
